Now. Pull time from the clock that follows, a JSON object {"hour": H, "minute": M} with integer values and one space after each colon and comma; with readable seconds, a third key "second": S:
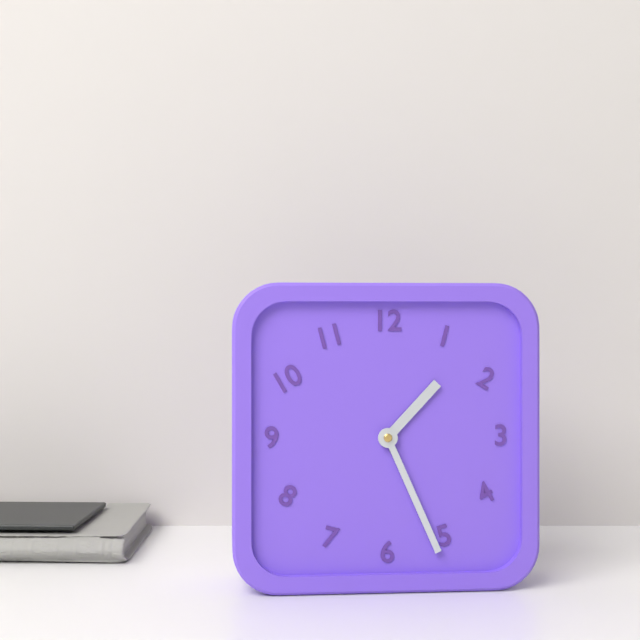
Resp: {"hour": 1, "minute": 26}
